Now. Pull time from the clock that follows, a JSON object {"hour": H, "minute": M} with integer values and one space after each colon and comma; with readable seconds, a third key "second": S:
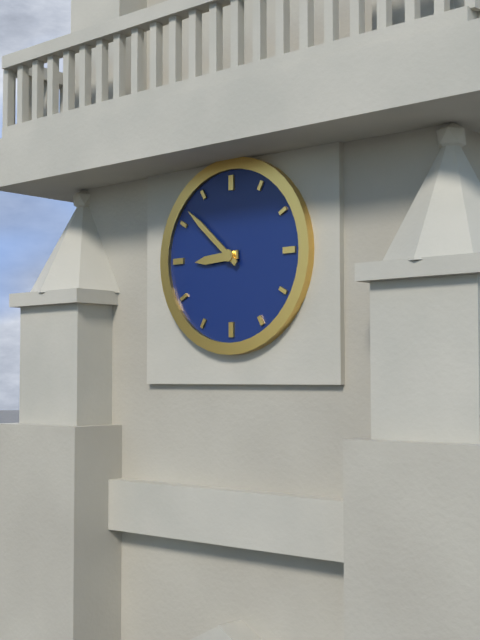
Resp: {"hour": 8, "minute": 52}
